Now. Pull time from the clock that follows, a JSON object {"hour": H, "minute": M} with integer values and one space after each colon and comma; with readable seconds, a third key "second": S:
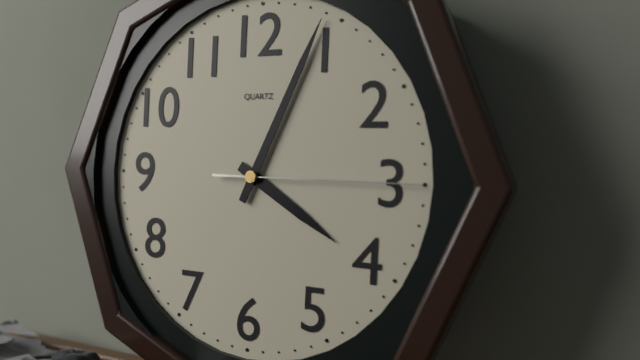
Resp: {"hour": 4, "minute": 4, "second": 15}
